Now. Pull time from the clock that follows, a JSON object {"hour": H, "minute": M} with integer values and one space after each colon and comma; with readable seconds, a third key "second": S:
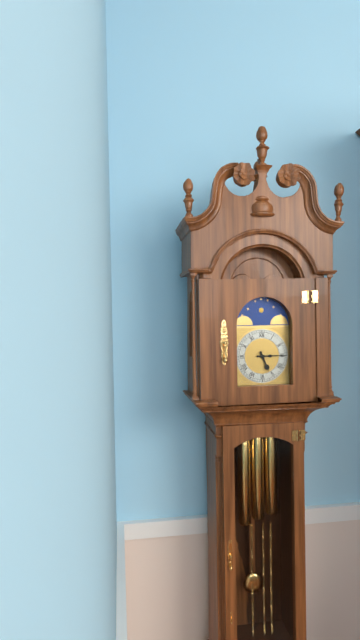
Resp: {"hour": 5, "minute": 15}
